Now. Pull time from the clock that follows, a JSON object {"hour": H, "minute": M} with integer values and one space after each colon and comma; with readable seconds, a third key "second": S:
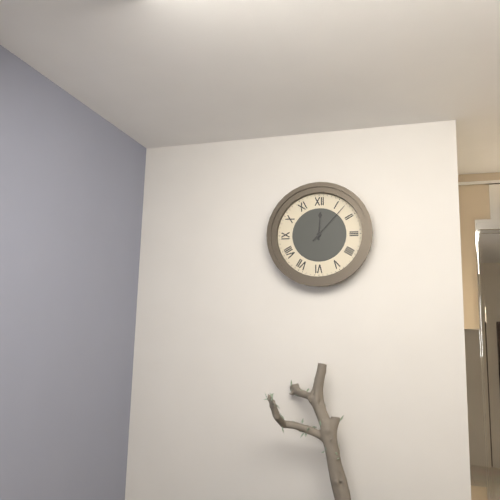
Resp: {"hour": 12, "minute": 7}
